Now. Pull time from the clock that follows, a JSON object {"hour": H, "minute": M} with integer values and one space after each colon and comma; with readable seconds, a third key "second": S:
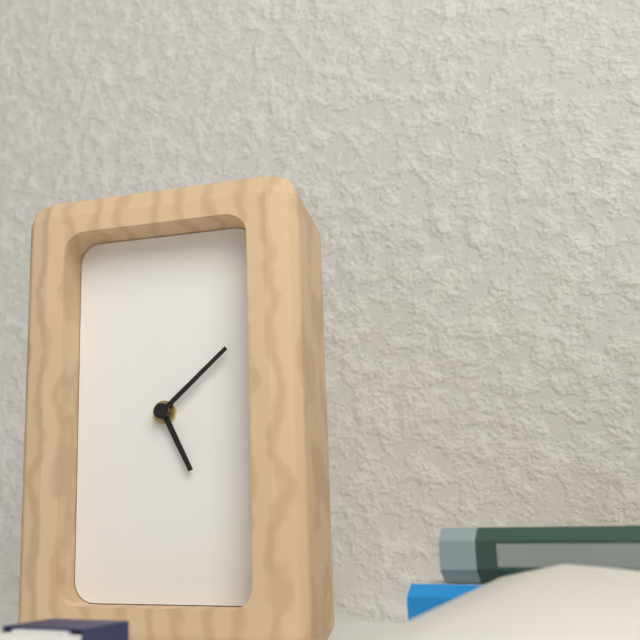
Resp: {"hour": 5, "minute": 8}
